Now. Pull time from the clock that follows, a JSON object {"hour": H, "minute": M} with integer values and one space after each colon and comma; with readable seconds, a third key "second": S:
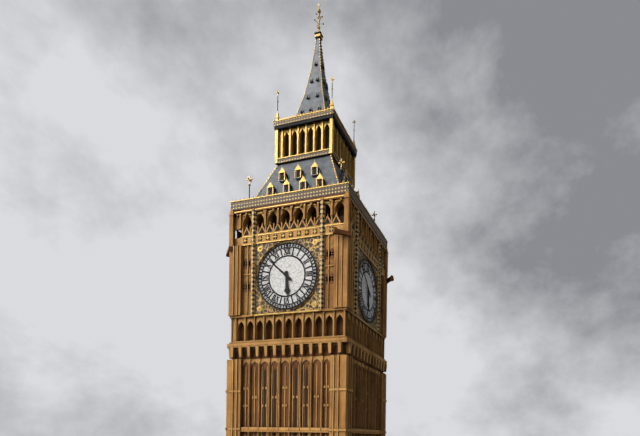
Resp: {"hour": 5, "minute": 52}
